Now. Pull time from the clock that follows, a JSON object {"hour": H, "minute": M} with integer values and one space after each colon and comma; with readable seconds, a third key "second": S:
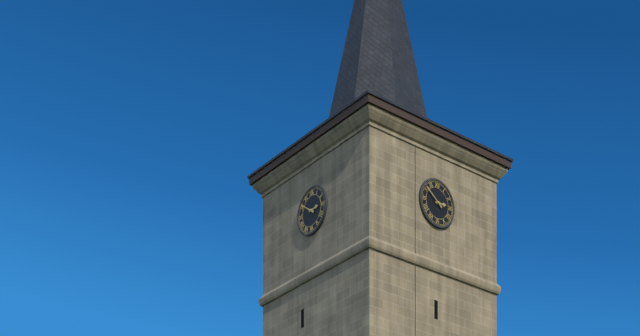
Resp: {"hour": 2, "minute": 51}
